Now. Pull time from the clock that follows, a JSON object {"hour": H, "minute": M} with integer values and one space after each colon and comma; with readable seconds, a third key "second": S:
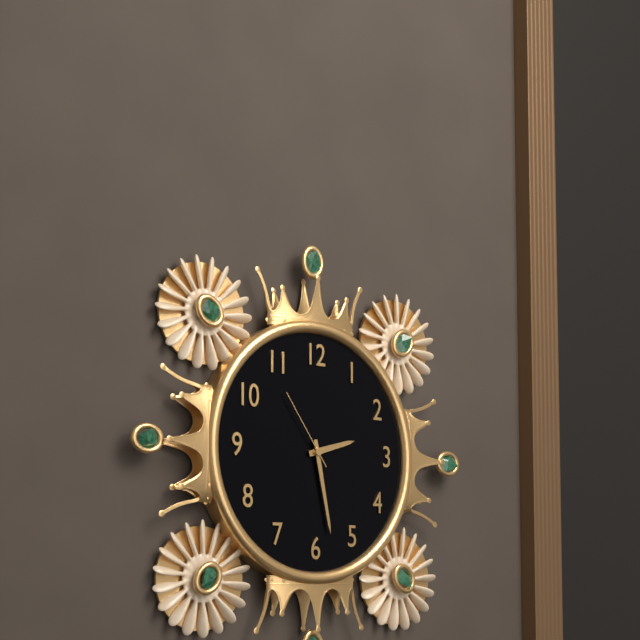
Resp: {"hour": 2, "minute": 28, "second": 54}
